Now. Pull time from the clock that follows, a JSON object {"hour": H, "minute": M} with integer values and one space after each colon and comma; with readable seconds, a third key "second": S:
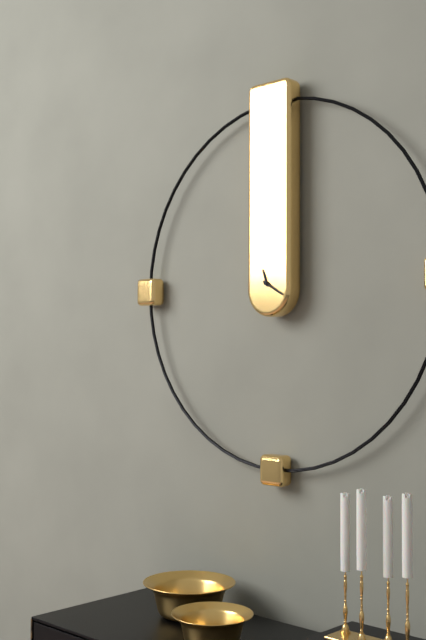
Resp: {"hour": 11, "minute": 20}
